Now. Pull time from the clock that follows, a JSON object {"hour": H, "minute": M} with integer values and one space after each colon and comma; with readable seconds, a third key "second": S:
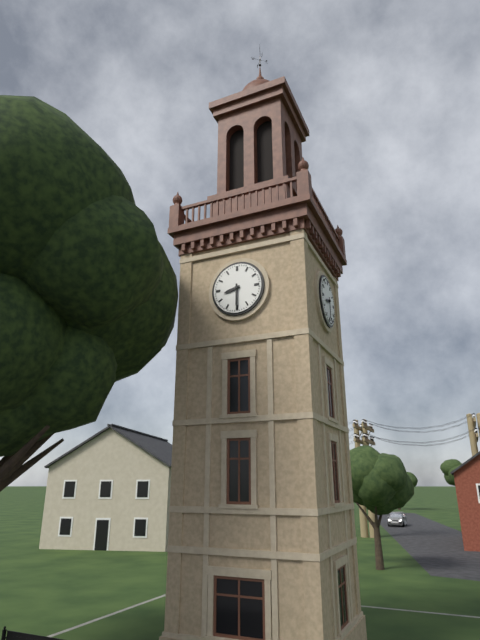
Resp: {"hour": 8, "minute": 30}
